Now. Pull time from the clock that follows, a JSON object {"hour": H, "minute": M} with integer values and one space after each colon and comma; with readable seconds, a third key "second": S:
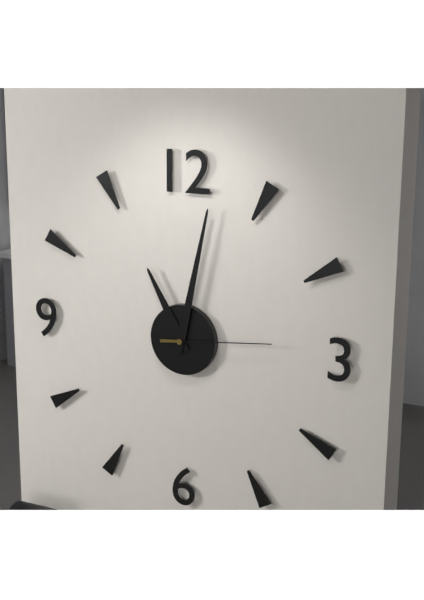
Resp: {"hour": 11, "minute": 2, "second": 14}
